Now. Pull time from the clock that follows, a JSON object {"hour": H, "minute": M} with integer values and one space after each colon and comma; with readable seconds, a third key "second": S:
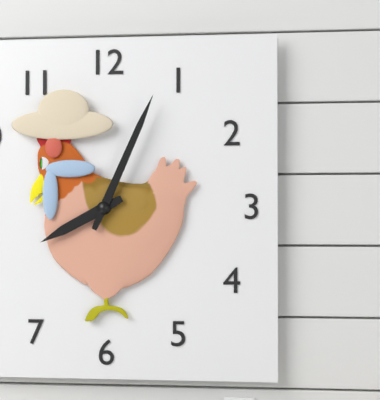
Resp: {"hour": 8, "minute": 4}
